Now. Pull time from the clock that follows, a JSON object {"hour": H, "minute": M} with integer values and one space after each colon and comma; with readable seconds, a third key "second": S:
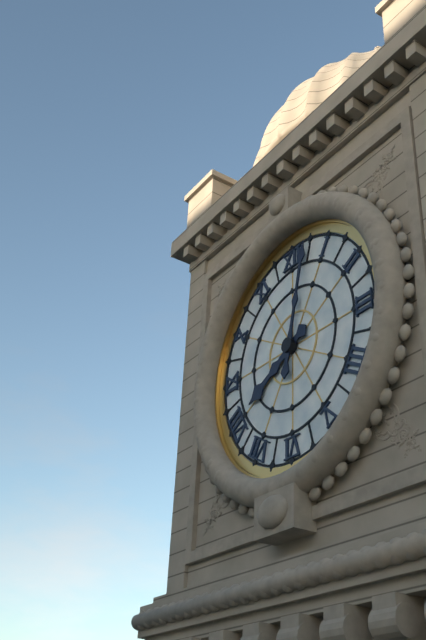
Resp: {"hour": 8, "minute": 2}
